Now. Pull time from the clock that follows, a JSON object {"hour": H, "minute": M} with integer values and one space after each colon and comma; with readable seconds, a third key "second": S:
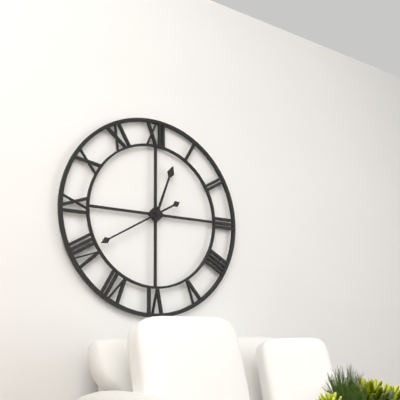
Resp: {"hour": 12, "minute": 40}
